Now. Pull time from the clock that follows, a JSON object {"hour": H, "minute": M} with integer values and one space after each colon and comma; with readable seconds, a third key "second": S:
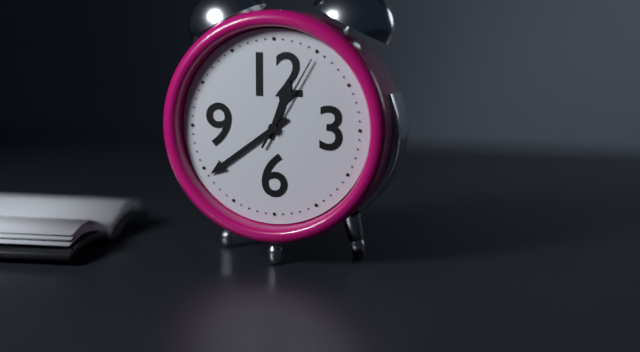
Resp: {"hour": 12, "minute": 39, "second": 5}
